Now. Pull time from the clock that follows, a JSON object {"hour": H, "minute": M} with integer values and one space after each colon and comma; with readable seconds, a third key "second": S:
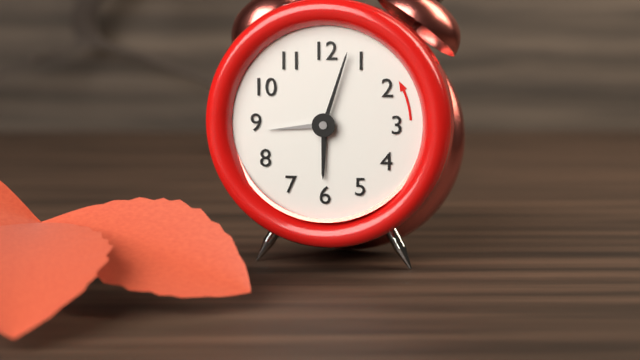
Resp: {"hour": 6, "minute": 3, "second": 44}
